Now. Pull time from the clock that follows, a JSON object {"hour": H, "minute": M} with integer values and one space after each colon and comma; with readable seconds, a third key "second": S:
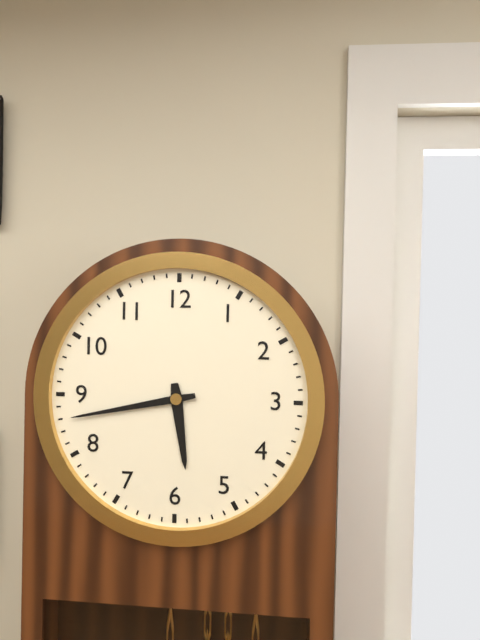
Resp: {"hour": 5, "minute": 43}
